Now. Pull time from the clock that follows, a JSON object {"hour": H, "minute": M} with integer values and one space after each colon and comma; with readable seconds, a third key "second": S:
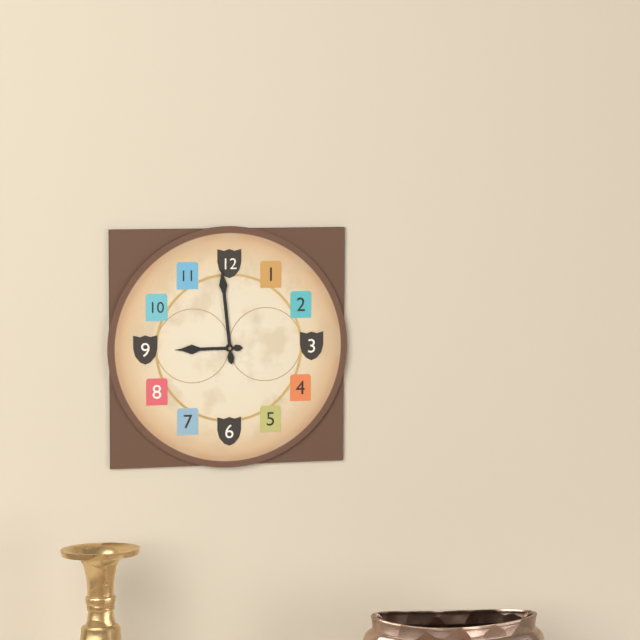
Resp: {"hour": 8, "minute": 59}
